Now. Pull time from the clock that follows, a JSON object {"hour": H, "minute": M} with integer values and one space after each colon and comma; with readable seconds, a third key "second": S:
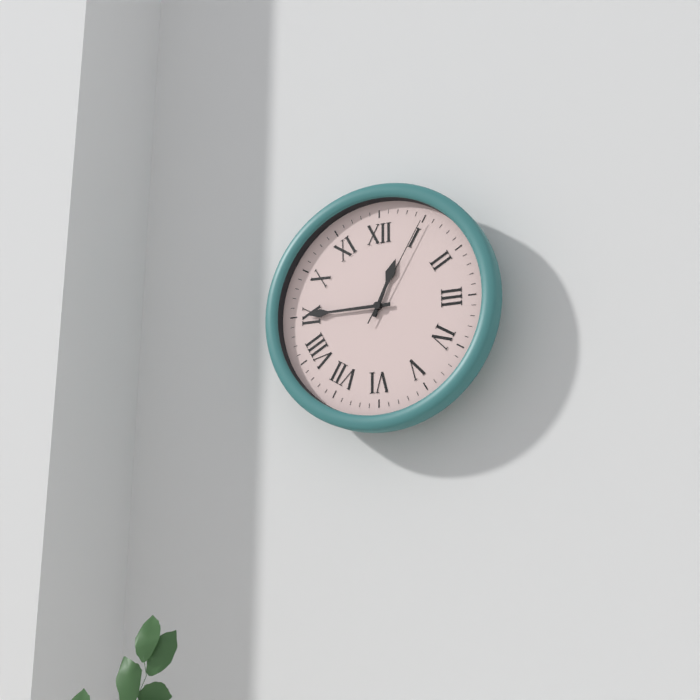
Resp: {"hour": 12, "minute": 45, "second": 5}
